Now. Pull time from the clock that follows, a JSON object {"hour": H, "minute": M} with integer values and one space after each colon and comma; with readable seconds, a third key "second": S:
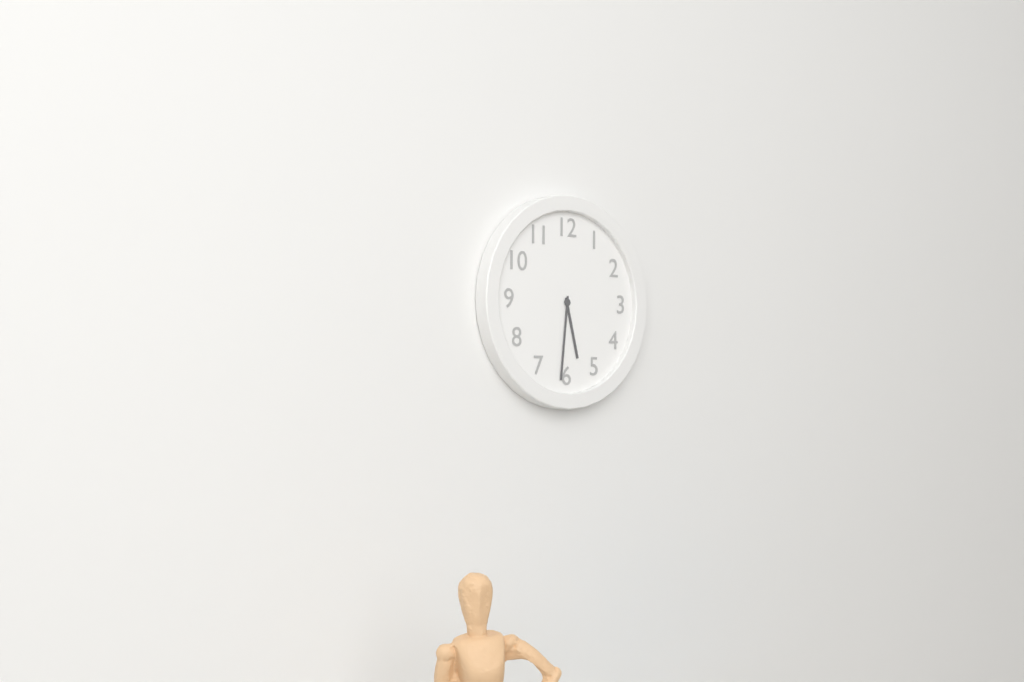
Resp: {"hour": 5, "minute": 31}
